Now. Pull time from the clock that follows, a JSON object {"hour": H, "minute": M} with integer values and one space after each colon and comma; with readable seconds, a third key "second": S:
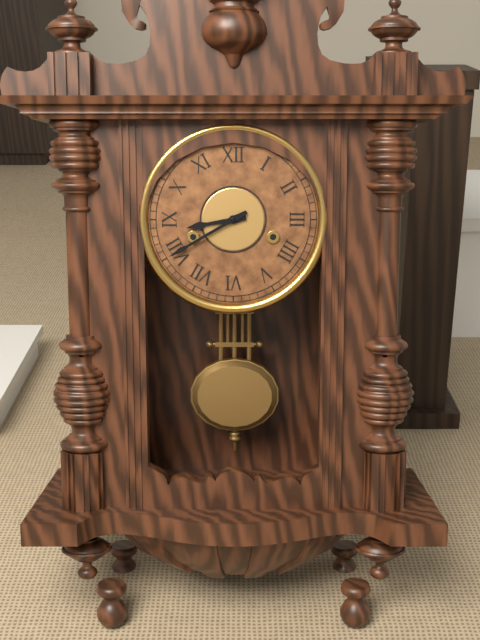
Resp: {"hour": 8, "minute": 40}
